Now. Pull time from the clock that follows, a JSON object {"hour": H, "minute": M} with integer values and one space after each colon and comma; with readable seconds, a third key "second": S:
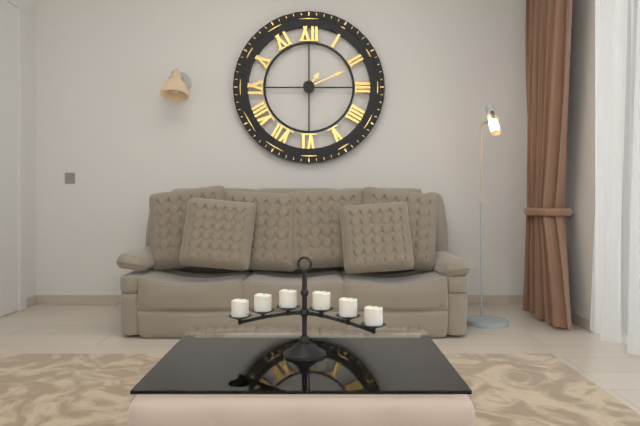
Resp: {"hour": 1, "minute": 11}
